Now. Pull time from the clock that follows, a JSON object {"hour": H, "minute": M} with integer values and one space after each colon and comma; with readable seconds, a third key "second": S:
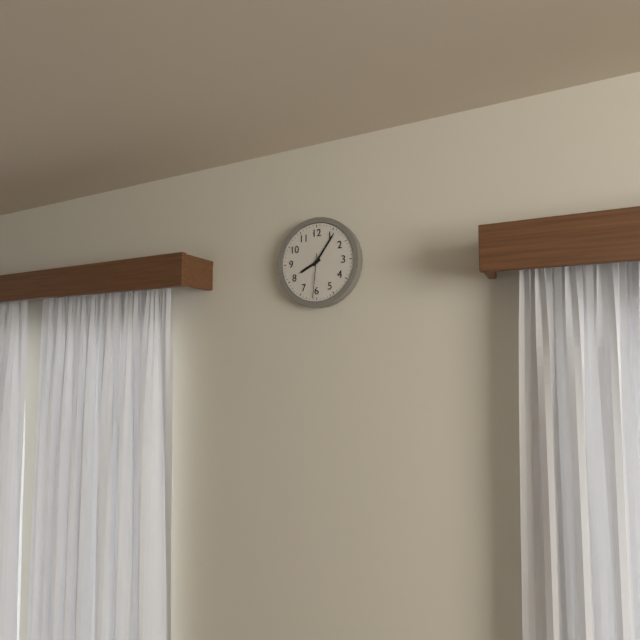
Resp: {"hour": 8, "minute": 6}
